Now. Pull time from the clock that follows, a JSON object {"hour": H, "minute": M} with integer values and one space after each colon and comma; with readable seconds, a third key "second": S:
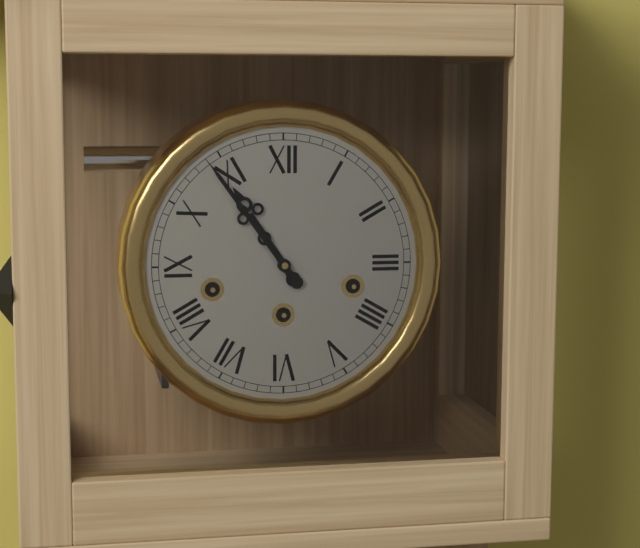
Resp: {"hour": 10, "minute": 54}
